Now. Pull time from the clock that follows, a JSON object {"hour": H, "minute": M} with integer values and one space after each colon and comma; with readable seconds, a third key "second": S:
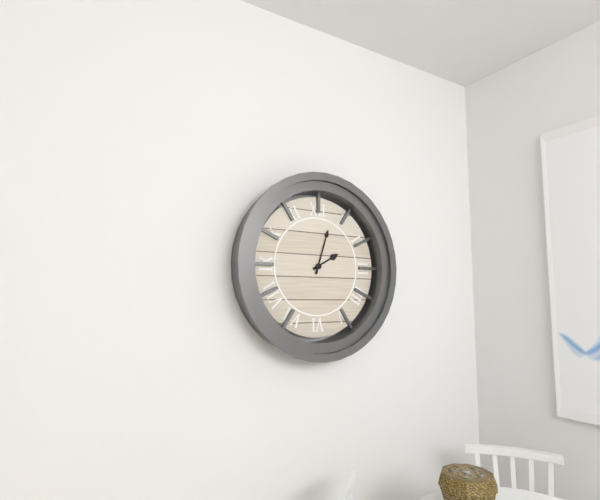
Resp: {"hour": 2, "minute": 3}
